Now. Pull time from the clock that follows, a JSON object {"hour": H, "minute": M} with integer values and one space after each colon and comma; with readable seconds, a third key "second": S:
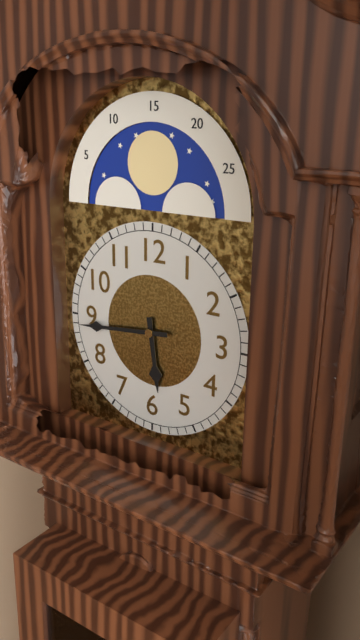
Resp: {"hour": 5, "minute": 44}
